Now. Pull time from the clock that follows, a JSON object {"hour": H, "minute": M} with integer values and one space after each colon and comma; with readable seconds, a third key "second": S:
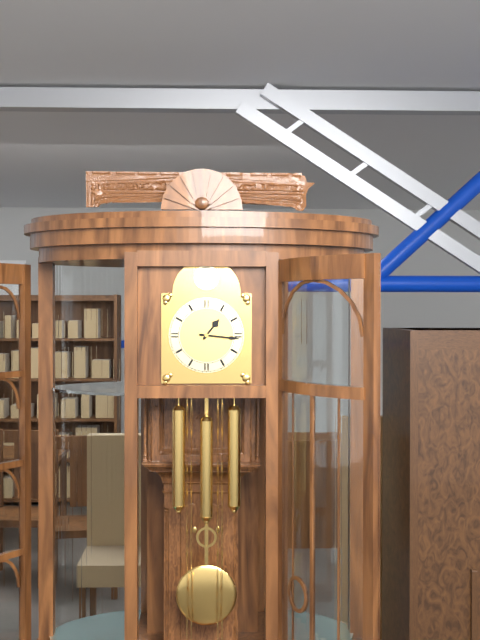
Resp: {"hour": 1, "minute": 16}
